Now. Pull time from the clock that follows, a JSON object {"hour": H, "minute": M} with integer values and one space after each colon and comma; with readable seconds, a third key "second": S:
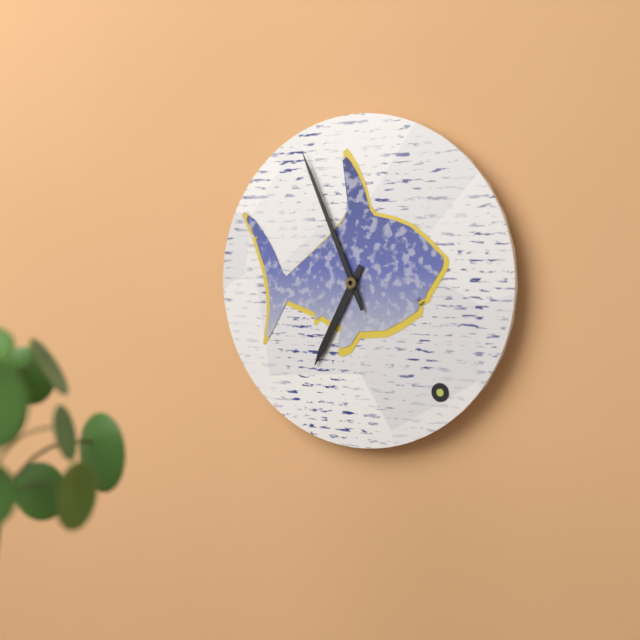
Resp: {"hour": 6, "minute": 56}
